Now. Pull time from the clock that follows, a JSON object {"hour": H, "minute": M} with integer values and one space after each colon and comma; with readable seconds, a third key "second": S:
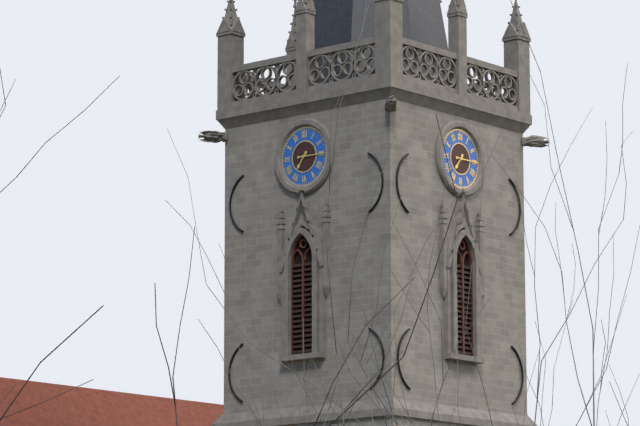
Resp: {"hour": 7, "minute": 15}
